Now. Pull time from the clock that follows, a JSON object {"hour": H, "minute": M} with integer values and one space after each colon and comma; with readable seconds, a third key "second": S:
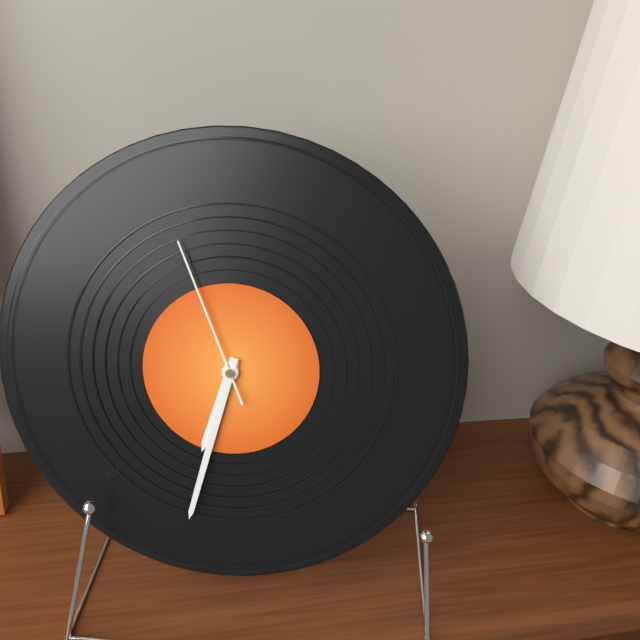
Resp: {"hour": 6, "minute": 32, "second": 56}
